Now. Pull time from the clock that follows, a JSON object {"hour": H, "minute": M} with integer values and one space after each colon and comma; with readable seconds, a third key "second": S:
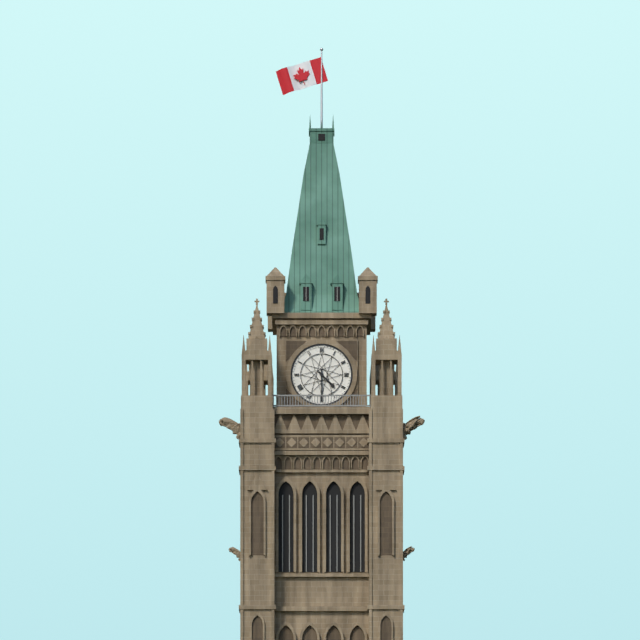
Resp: {"hour": 4, "minute": 30}
